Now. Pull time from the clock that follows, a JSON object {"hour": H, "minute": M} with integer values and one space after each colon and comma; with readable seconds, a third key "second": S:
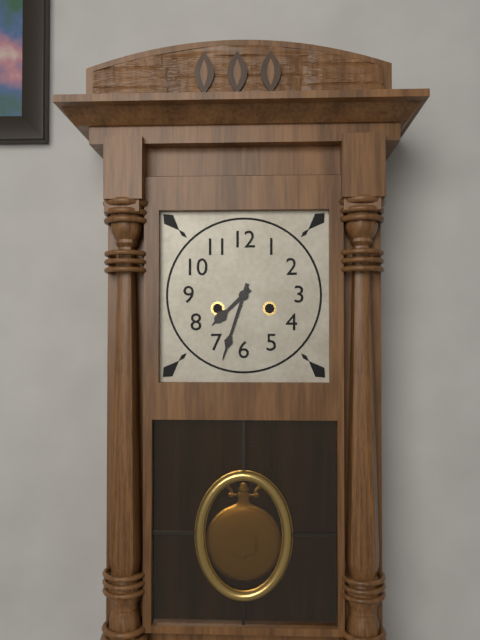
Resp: {"hour": 7, "minute": 33}
